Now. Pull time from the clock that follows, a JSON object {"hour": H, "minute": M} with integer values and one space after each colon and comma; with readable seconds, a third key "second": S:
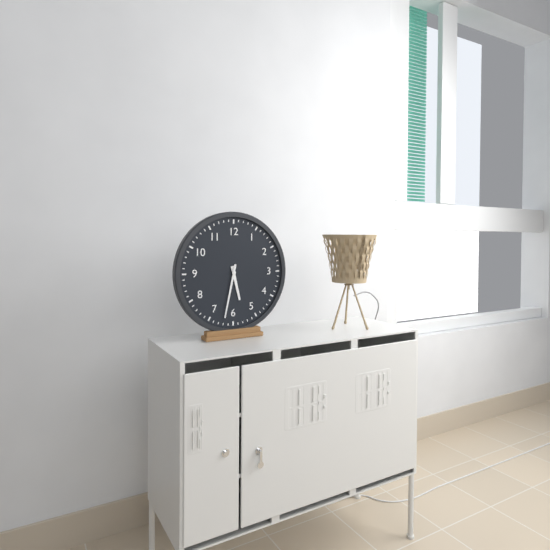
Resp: {"hour": 5, "minute": 32}
